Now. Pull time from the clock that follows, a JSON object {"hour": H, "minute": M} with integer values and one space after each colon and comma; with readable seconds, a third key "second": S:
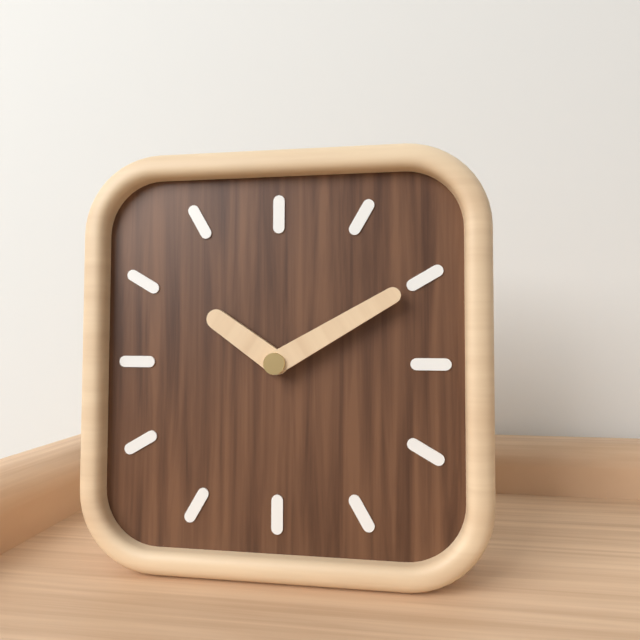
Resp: {"hour": 10, "minute": 10}
